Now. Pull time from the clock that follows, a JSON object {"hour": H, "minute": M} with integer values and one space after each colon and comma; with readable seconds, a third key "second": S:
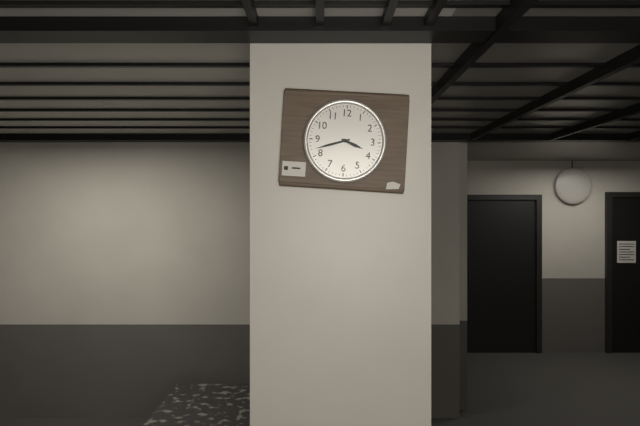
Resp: {"hour": 3, "minute": 42}
